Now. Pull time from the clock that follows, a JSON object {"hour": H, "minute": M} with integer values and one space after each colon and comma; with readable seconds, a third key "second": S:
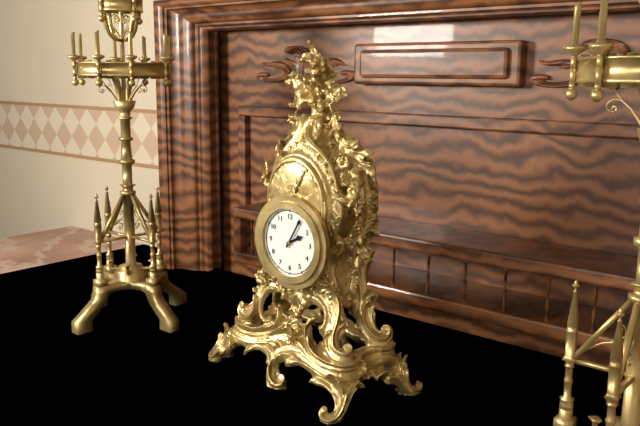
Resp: {"hour": 2, "minute": 5}
